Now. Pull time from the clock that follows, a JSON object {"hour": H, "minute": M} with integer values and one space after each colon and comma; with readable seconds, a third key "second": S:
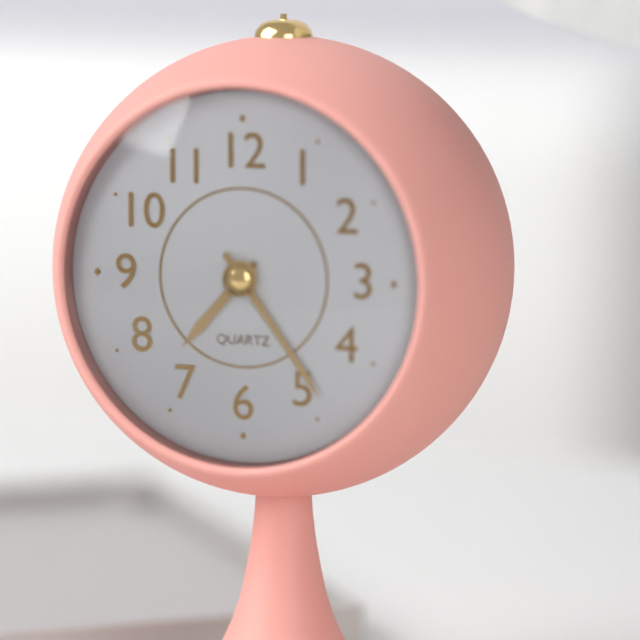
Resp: {"hour": 7, "minute": 24}
